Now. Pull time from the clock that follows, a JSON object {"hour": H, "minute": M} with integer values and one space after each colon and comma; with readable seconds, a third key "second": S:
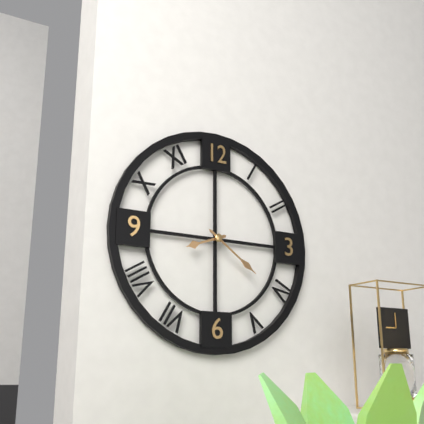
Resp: {"hour": 8, "minute": 21}
